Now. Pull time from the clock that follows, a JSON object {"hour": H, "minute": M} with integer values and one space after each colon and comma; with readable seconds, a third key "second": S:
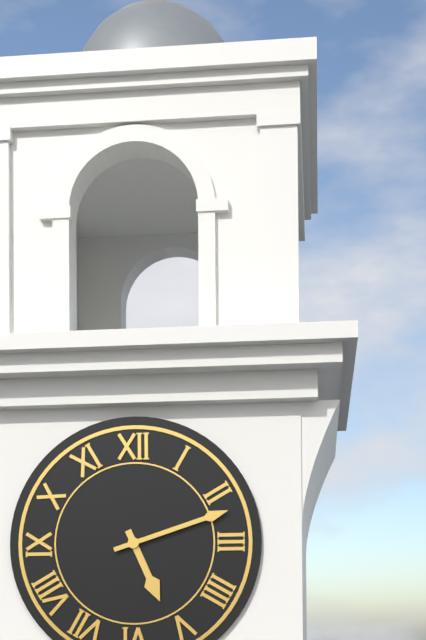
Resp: {"hour": 5, "minute": 12}
